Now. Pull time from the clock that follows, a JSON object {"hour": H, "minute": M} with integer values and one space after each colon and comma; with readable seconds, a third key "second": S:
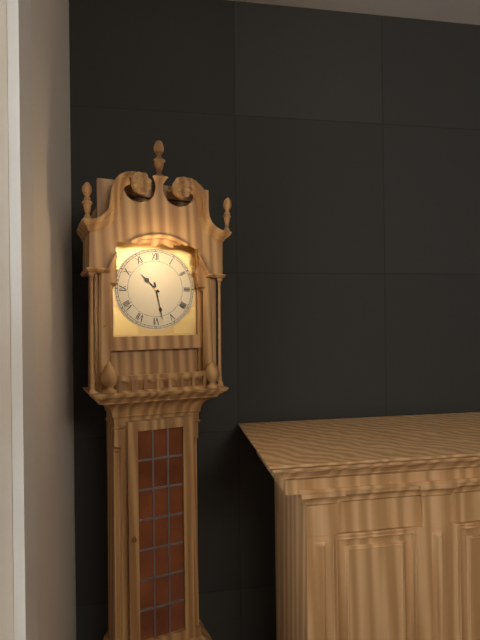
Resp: {"hour": 10, "minute": 28}
